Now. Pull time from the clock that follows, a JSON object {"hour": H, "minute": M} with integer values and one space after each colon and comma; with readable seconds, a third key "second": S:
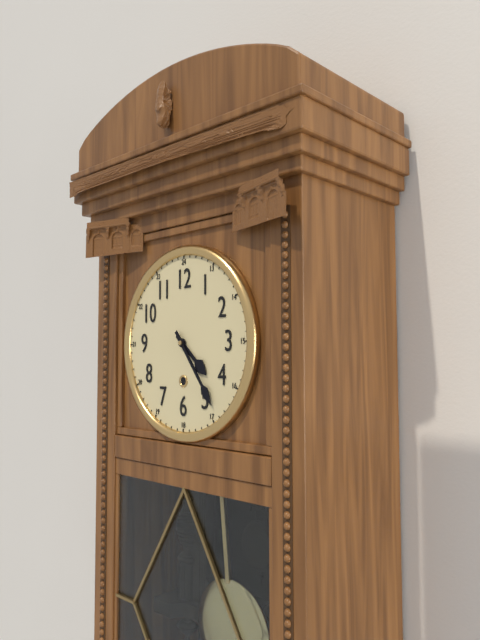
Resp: {"hour": 4, "minute": 24}
